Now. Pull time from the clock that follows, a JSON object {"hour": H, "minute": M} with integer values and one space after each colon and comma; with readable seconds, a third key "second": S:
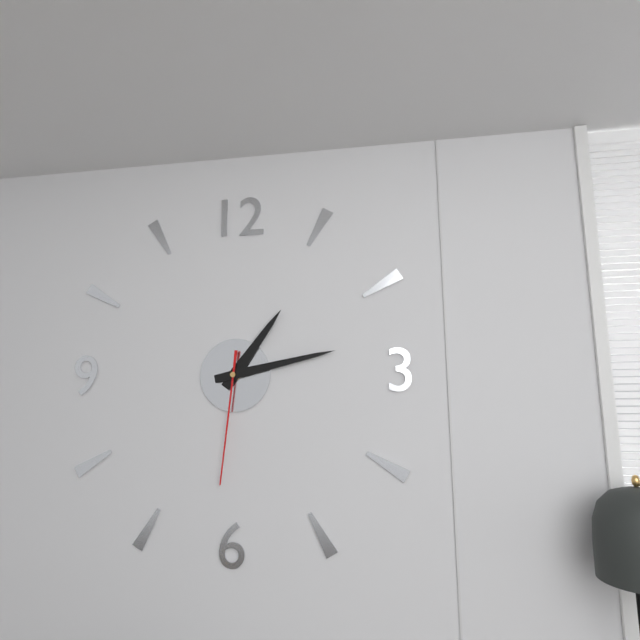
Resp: {"hour": 1, "minute": 13, "second": 31}
